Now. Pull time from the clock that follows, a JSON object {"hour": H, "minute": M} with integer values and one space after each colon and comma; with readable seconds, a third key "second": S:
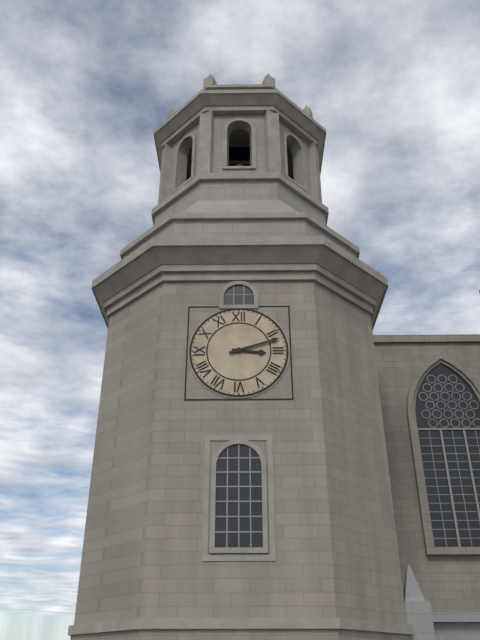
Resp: {"hour": 3, "minute": 12}
